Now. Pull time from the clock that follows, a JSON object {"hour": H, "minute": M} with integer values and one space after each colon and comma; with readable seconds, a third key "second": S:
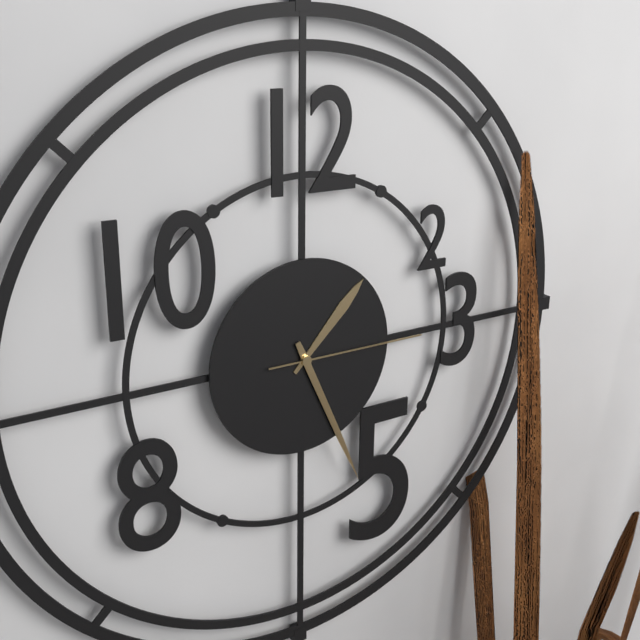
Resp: {"hour": 1, "minute": 26, "second": 15}
